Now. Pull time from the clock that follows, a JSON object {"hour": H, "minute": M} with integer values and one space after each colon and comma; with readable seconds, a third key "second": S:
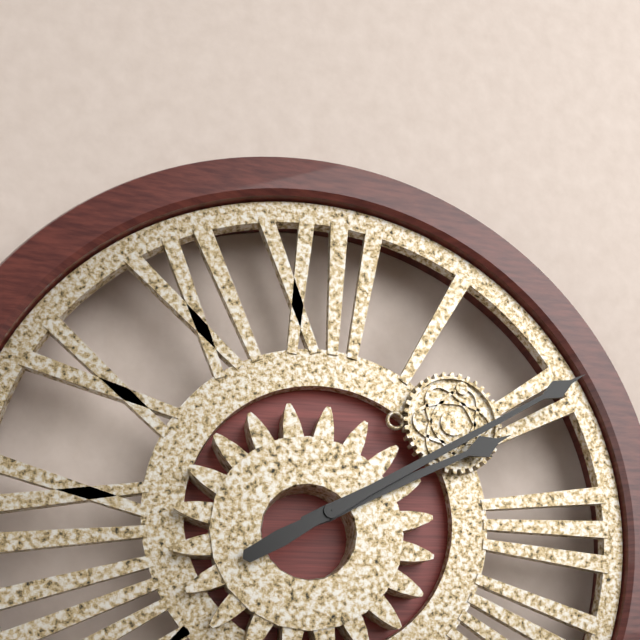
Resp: {"hour": 2, "minute": 10}
